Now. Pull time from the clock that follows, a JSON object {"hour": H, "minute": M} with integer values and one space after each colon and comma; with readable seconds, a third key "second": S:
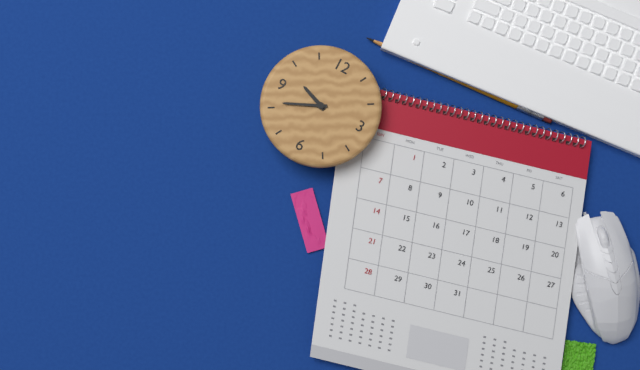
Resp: {"hour": 9, "minute": 41}
